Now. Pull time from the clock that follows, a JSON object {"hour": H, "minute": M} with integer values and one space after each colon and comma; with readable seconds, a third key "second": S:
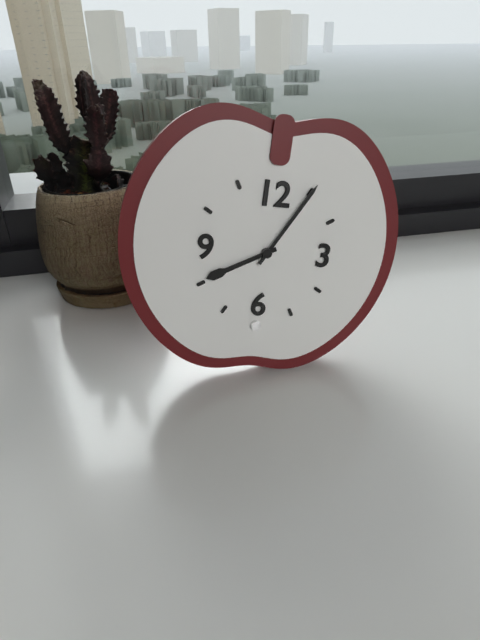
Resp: {"hour": 8, "minute": 5}
